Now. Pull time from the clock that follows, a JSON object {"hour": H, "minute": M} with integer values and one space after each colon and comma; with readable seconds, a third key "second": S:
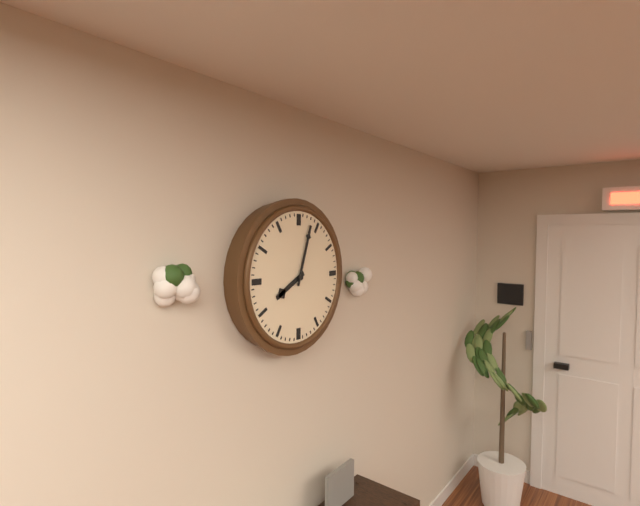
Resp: {"hour": 8, "minute": 3}
